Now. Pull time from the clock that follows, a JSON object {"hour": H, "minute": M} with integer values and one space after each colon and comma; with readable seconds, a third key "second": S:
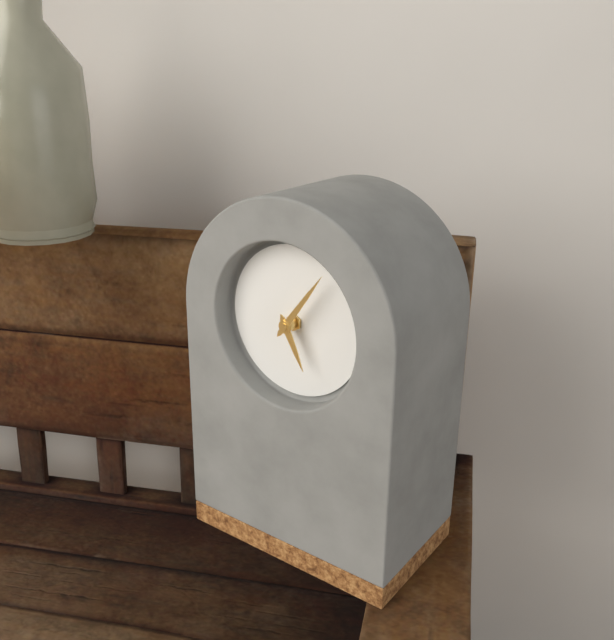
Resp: {"hour": 5, "minute": 6}
